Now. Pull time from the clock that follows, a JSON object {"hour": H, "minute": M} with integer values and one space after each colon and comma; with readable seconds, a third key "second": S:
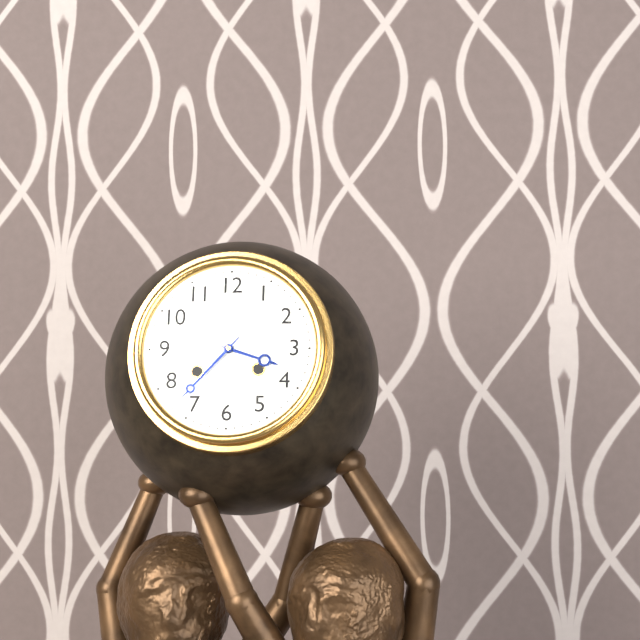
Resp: {"hour": 3, "minute": 37}
